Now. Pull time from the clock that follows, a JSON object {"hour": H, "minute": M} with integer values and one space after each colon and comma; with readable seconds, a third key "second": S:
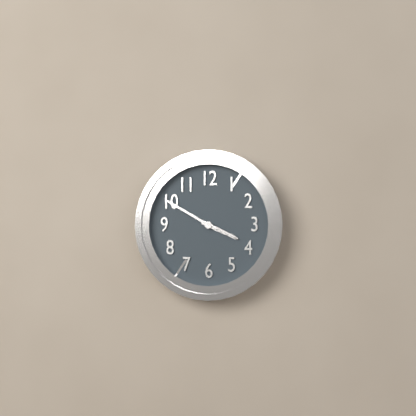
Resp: {"hour": 3, "minute": 50}
